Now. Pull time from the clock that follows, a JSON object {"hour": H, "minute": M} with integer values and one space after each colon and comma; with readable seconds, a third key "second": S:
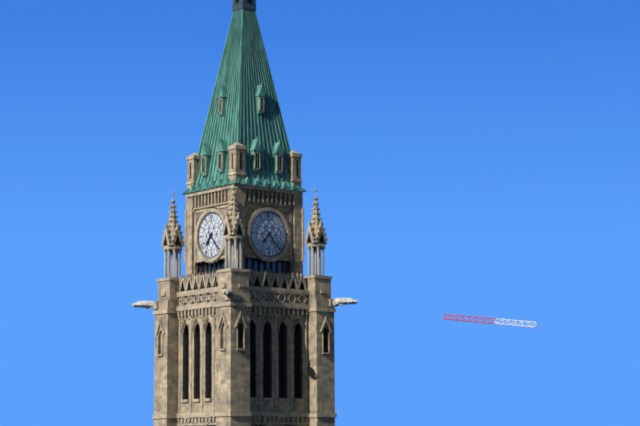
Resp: {"hour": 7, "minute": 23}
